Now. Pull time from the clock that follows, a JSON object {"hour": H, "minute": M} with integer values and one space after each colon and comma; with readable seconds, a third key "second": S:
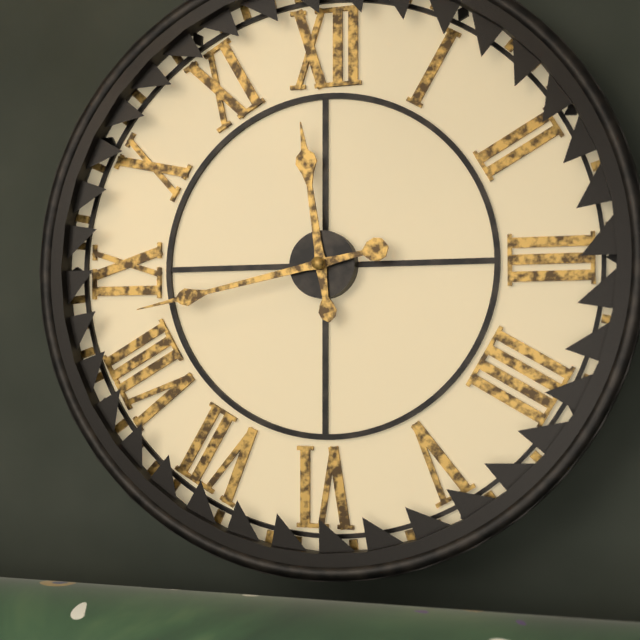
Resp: {"hour": 11, "minute": 43}
